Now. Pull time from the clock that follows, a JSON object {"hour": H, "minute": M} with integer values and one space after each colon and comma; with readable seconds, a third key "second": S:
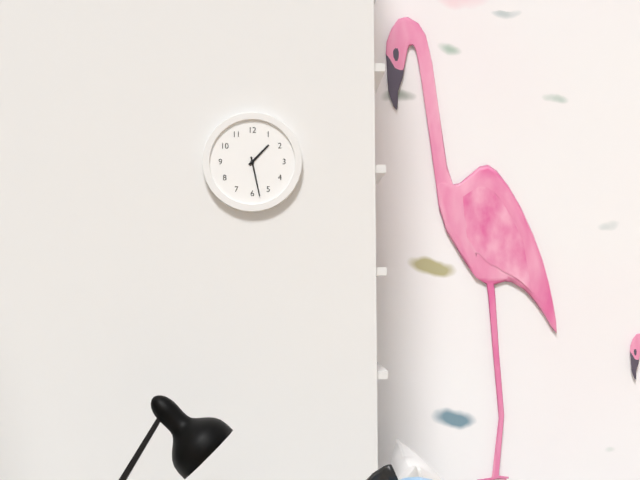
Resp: {"hour": 1, "minute": 28}
